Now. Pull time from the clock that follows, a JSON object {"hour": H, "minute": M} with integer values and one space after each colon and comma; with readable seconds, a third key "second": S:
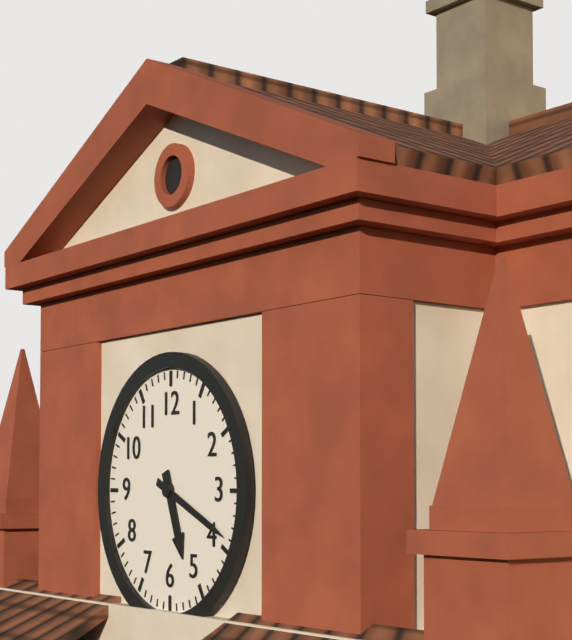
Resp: {"hour": 5, "minute": 19}
